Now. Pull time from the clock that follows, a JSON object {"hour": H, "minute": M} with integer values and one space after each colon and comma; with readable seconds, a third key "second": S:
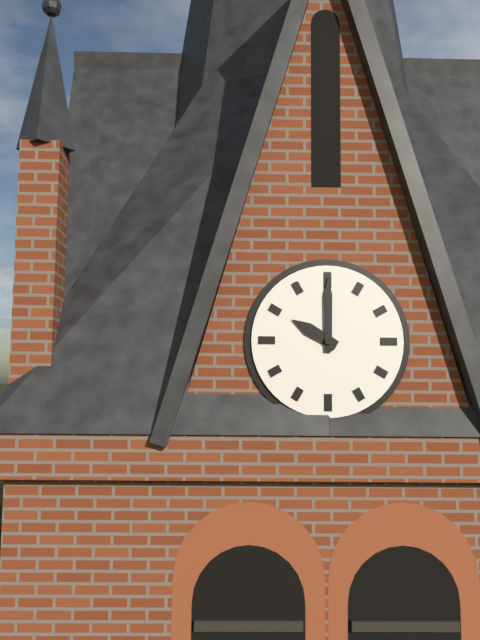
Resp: {"hour": 10, "minute": 0}
